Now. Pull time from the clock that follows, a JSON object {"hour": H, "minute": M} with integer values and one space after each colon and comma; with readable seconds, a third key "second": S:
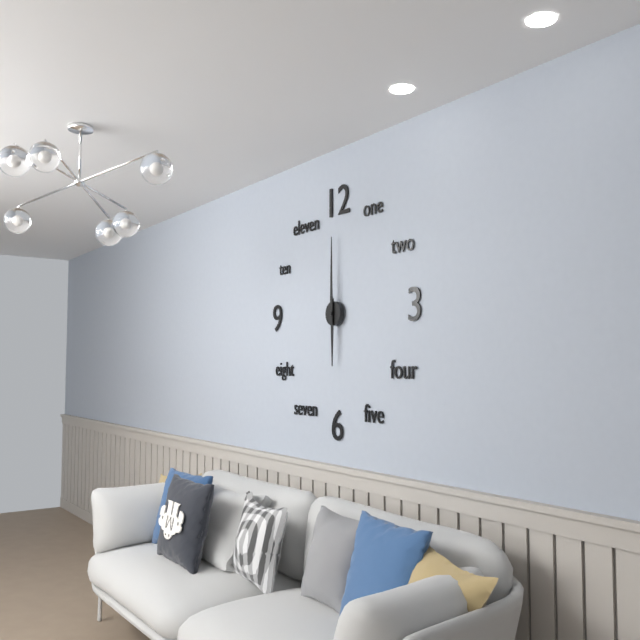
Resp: {"hour": 6, "minute": 0}
